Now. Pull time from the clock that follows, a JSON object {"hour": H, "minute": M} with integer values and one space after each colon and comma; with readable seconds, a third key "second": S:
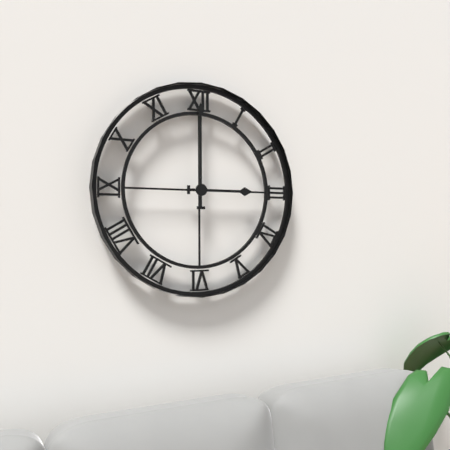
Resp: {"hour": 3, "minute": 0}
